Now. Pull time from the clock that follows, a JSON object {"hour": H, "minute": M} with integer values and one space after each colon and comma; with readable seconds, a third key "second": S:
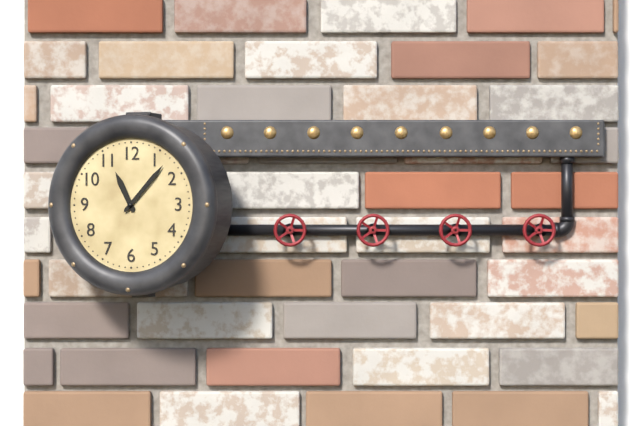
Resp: {"hour": 11, "minute": 7}
